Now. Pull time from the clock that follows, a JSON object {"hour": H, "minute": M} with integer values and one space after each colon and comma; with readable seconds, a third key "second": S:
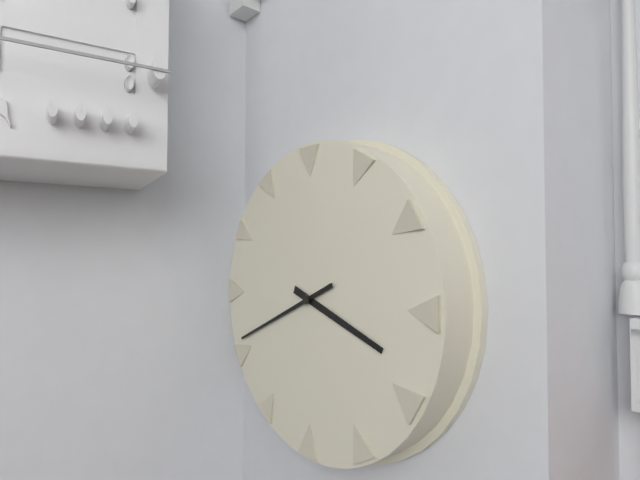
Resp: {"hour": 3, "minute": 41}
